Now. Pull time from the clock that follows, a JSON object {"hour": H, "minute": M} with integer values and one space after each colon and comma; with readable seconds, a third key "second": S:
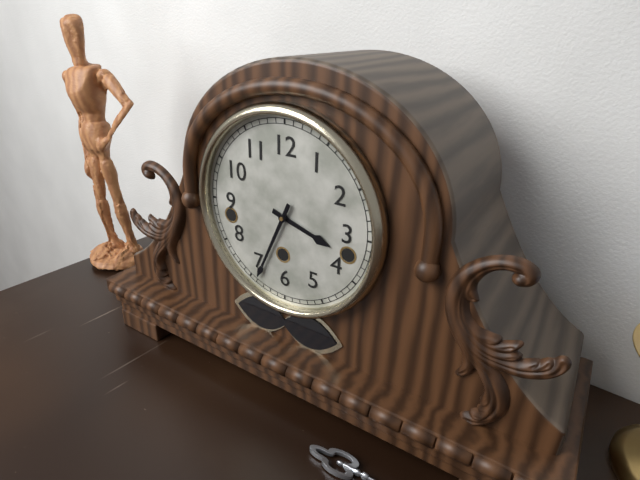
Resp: {"hour": 3, "minute": 34}
